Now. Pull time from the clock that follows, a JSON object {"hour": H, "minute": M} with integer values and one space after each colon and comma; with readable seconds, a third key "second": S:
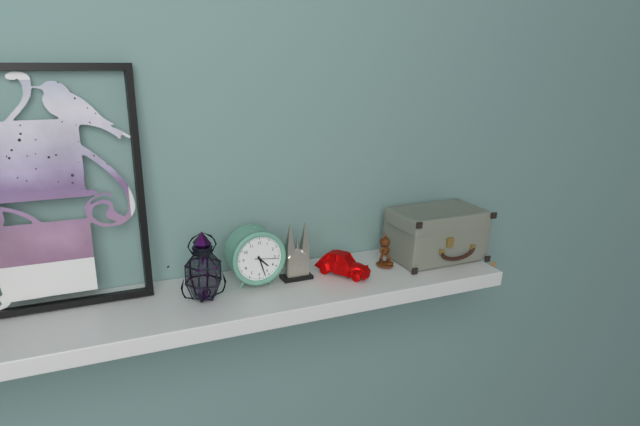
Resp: {"hour": 4, "minute": 27}
